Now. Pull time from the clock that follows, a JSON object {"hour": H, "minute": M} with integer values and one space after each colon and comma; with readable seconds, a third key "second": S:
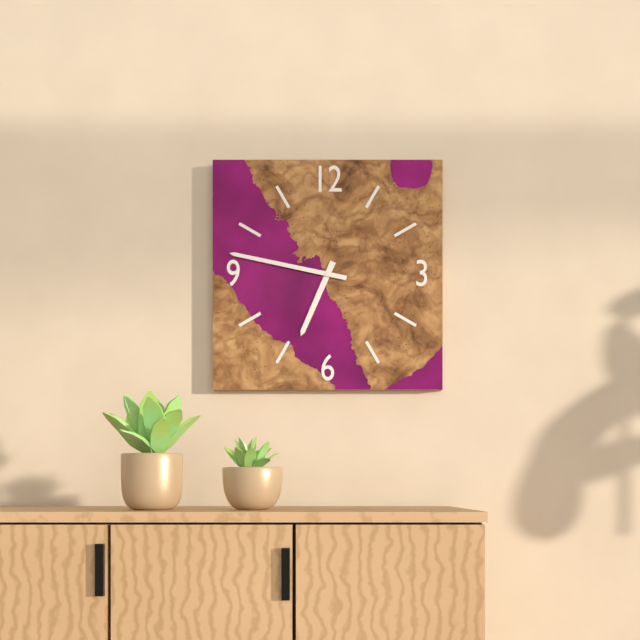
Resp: {"hour": 6, "minute": 47}
